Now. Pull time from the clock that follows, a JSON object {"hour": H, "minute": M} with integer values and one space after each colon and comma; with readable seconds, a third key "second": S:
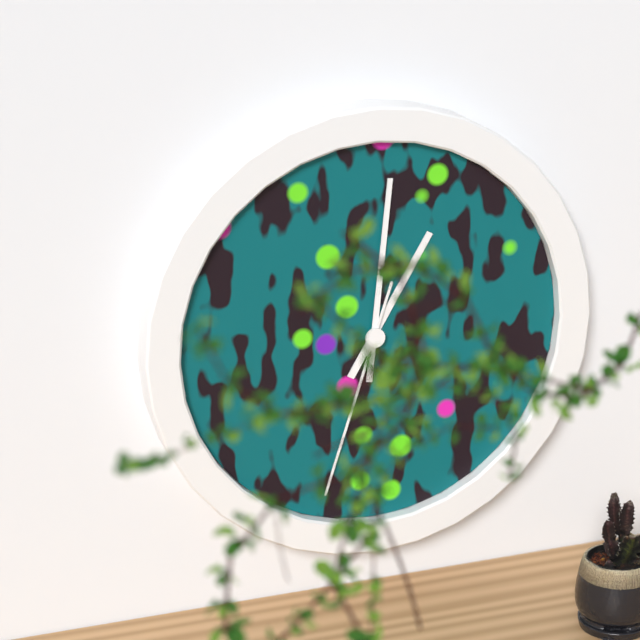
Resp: {"hour": 1, "minute": 1, "second": 33}
